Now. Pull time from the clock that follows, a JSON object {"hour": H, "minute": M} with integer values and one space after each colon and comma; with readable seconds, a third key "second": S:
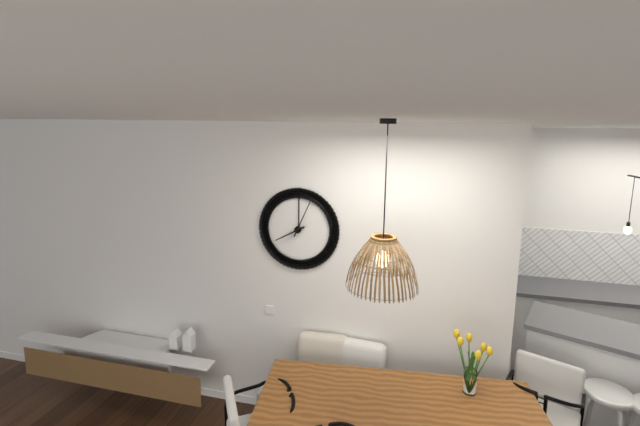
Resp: {"hour": 8, "minute": 4}
